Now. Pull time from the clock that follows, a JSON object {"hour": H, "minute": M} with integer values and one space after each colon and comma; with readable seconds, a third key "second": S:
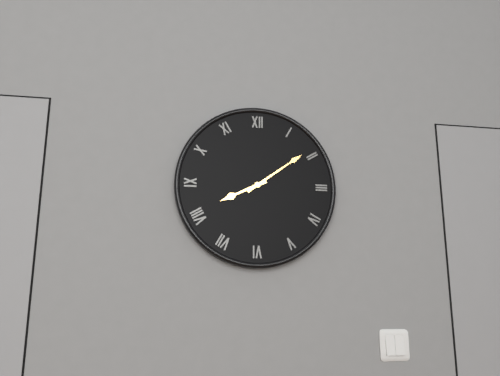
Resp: {"hour": 8, "minute": 9}
